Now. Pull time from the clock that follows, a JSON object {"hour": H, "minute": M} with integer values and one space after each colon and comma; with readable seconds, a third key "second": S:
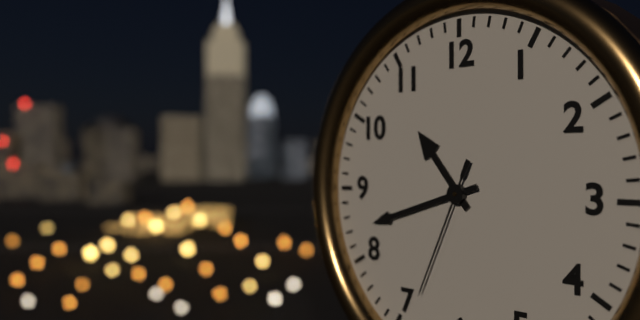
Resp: {"hour": 10, "minute": 42, "second": 34}
